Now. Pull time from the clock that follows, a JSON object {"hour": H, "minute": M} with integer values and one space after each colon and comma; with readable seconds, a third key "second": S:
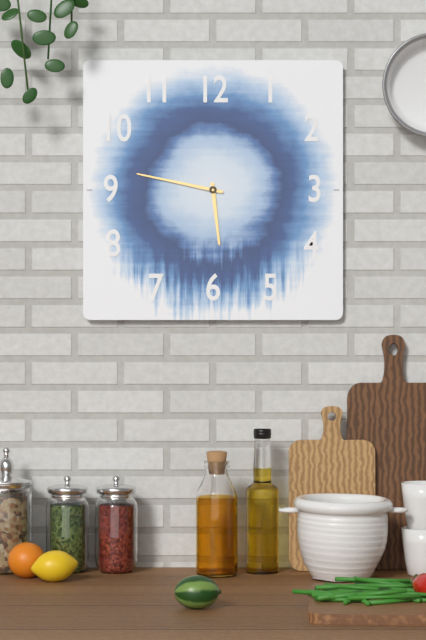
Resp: {"hour": 5, "minute": 47}
